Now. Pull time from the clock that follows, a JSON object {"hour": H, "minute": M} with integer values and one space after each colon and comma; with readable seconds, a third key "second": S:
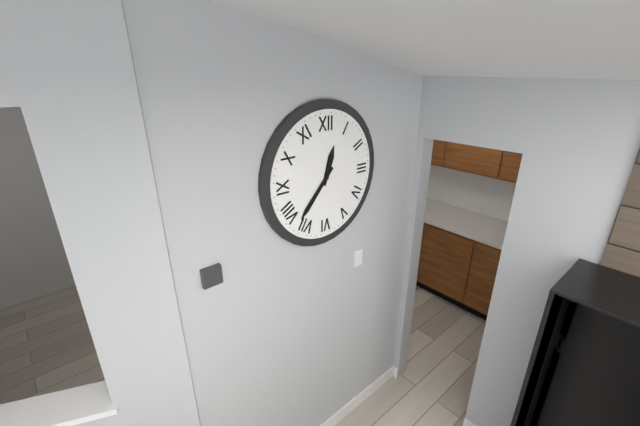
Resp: {"hour": 12, "minute": 37}
